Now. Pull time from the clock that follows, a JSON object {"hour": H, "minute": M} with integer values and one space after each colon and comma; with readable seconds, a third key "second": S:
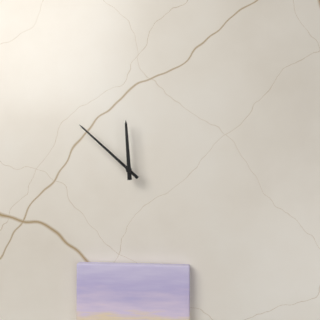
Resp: {"hour": 11, "minute": 52}
